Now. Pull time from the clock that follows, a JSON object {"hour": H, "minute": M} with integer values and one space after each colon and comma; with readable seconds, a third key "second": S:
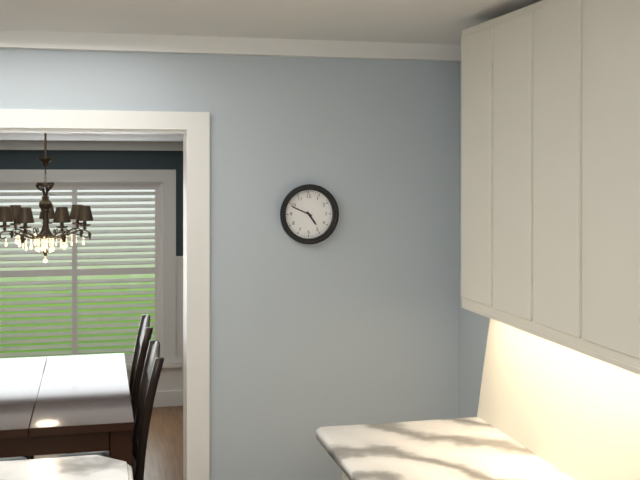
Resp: {"hour": 4, "minute": 49}
